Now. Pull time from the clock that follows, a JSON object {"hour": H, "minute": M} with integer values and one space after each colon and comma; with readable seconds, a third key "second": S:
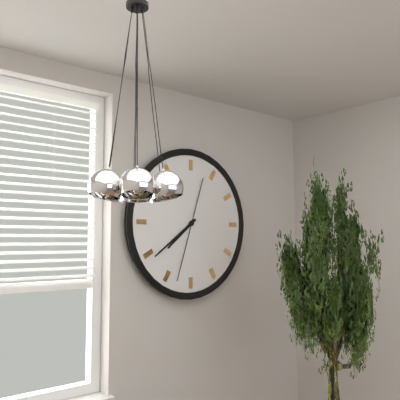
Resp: {"hour": 7, "minute": 39, "second": 33}
